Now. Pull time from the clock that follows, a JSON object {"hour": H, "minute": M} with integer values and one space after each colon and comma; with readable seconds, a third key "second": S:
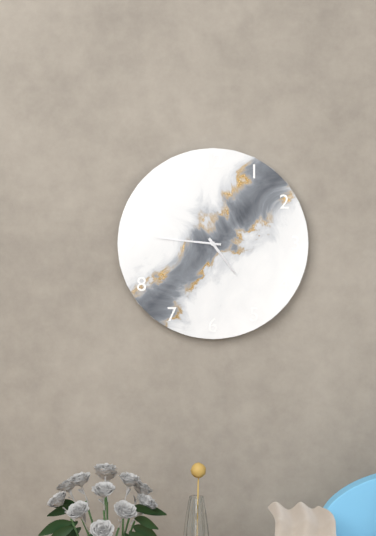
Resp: {"hour": 4, "minute": 46}
